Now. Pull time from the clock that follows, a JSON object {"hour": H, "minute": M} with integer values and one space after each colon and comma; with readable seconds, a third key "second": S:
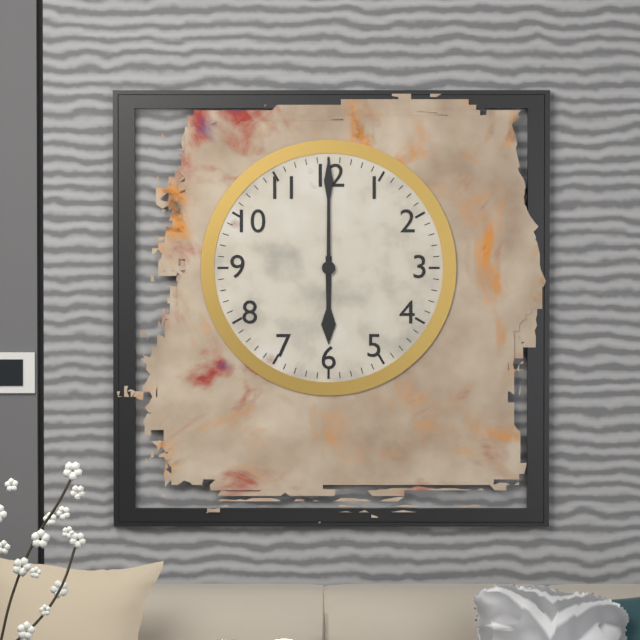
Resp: {"hour": 6, "minute": 0}
